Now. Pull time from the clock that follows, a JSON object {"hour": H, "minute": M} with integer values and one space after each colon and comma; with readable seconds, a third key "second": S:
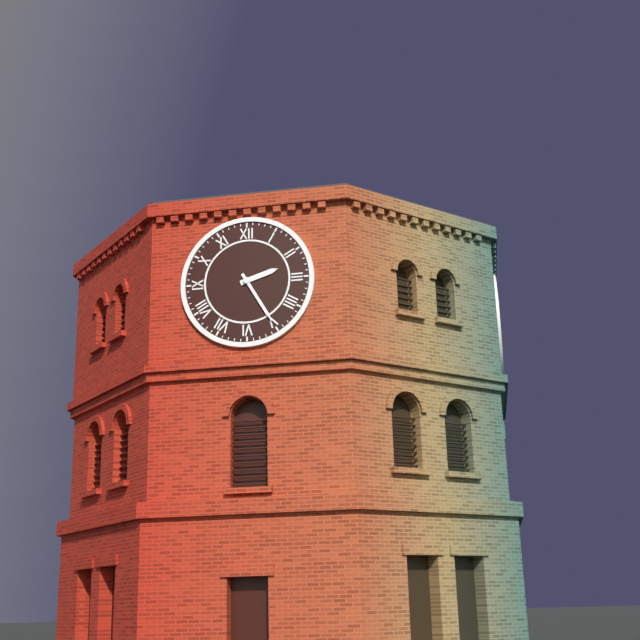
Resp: {"hour": 2, "minute": 25}
